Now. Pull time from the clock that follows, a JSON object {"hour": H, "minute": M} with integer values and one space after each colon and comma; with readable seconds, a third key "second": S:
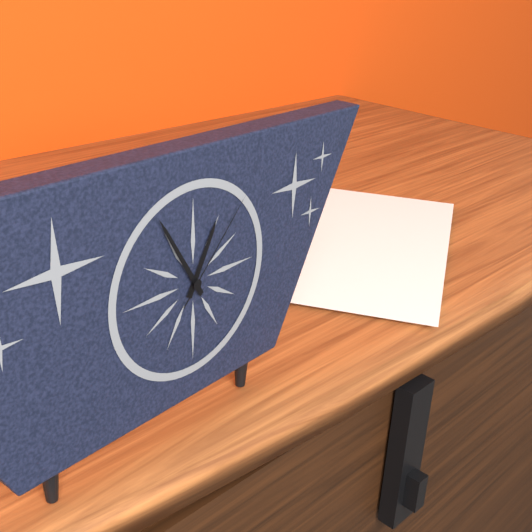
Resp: {"hour": 12, "minute": 55, "second": 7}
